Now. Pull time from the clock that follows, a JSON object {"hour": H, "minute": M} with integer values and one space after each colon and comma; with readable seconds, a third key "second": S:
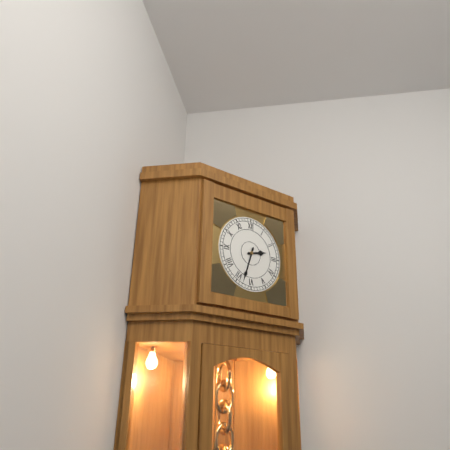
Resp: {"hour": 2, "minute": 33}
